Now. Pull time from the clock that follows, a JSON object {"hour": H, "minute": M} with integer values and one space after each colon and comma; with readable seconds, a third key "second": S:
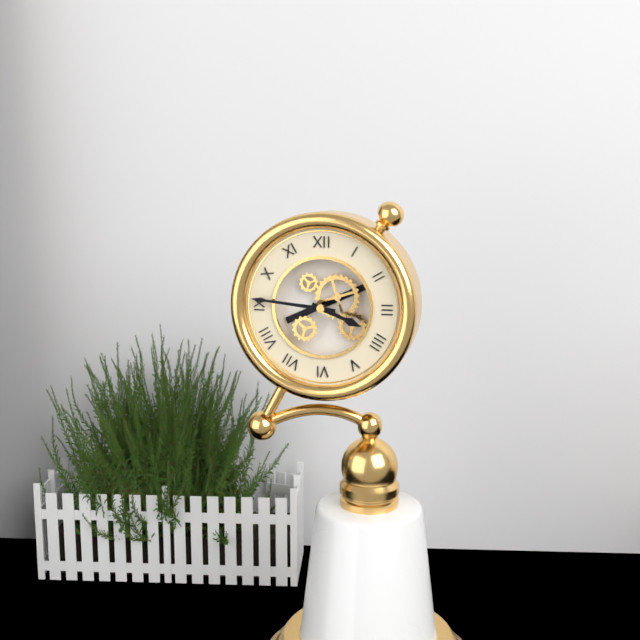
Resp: {"hour": 3, "minute": 46}
